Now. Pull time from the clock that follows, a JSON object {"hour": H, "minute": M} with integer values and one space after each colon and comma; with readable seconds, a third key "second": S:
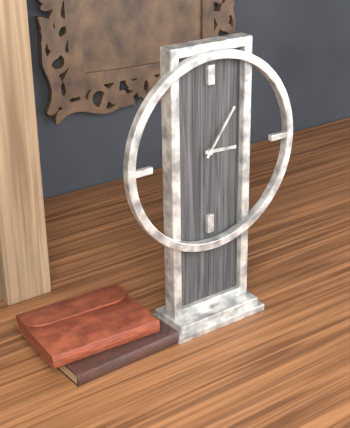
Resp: {"hour": 3, "minute": 6}
